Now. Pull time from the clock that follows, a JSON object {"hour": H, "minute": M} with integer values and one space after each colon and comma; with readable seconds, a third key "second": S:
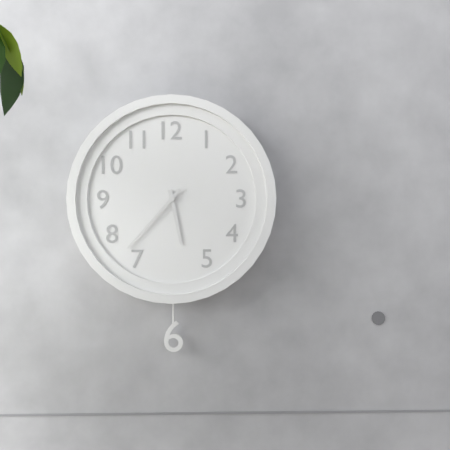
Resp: {"hour": 5, "minute": 37}
